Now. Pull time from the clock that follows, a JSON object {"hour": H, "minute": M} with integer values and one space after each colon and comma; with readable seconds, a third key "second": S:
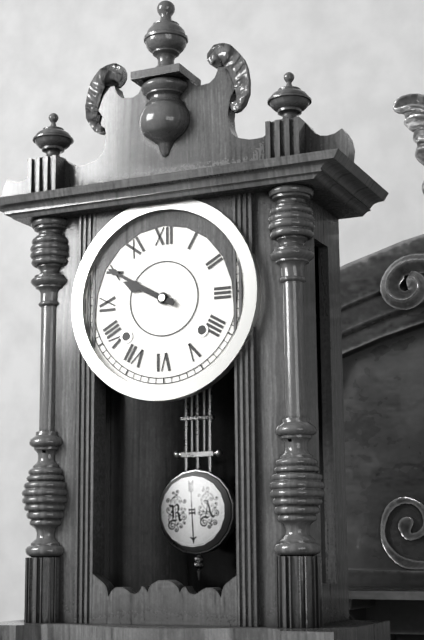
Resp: {"hour": 9, "minute": 50}
